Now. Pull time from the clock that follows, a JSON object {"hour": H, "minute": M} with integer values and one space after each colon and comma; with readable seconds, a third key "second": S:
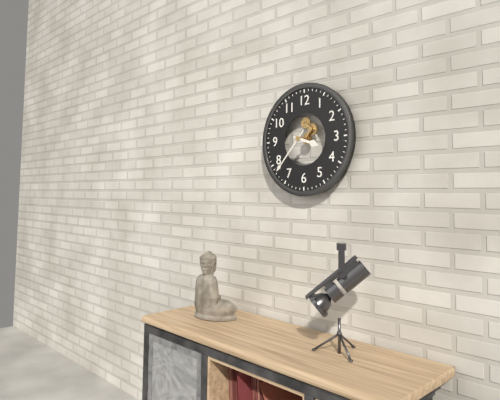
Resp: {"hour": 3, "minute": 37}
